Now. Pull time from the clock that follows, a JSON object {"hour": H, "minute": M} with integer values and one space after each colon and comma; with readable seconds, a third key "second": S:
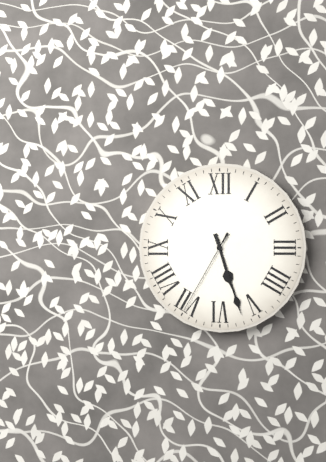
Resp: {"hour": 5, "minute": 27, "second": 35}
